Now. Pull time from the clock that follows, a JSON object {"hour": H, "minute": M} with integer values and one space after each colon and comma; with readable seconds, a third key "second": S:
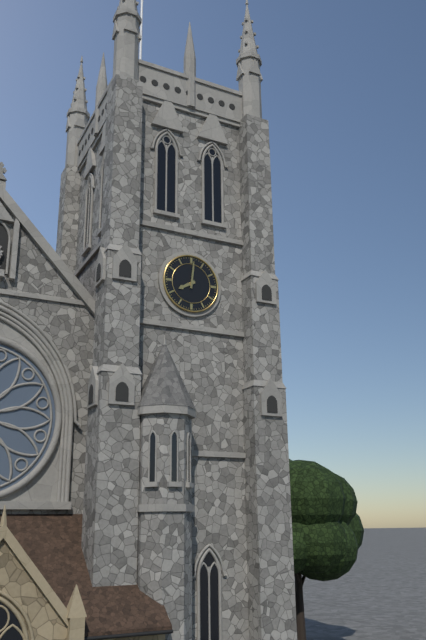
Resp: {"hour": 8, "minute": 1}
